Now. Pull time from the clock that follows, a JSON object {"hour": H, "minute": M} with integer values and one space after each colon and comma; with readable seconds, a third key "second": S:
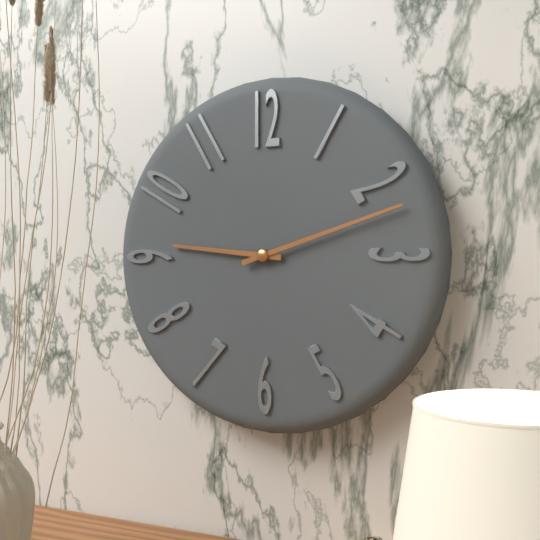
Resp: {"hour": 9, "minute": 12}
